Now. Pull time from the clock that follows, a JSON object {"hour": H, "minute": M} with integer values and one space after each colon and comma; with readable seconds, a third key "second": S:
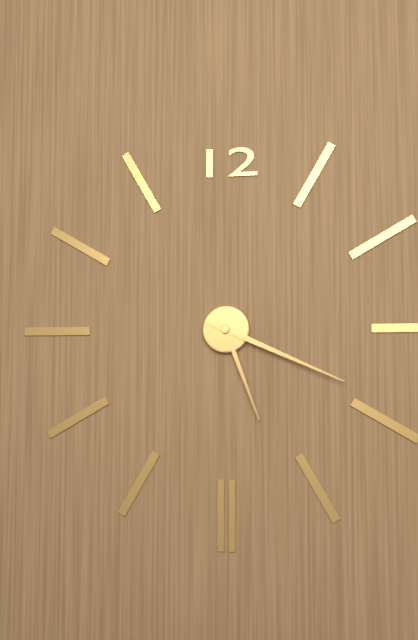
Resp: {"hour": 5, "minute": 19}
